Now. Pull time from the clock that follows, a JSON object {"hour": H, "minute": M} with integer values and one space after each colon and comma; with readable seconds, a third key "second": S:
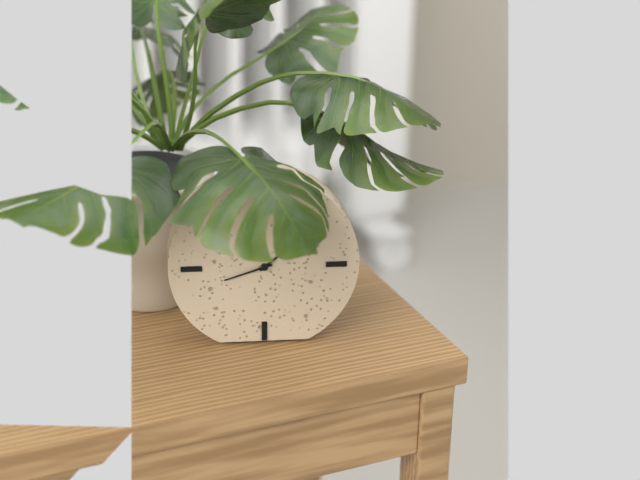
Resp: {"hour": 1, "minute": 42}
